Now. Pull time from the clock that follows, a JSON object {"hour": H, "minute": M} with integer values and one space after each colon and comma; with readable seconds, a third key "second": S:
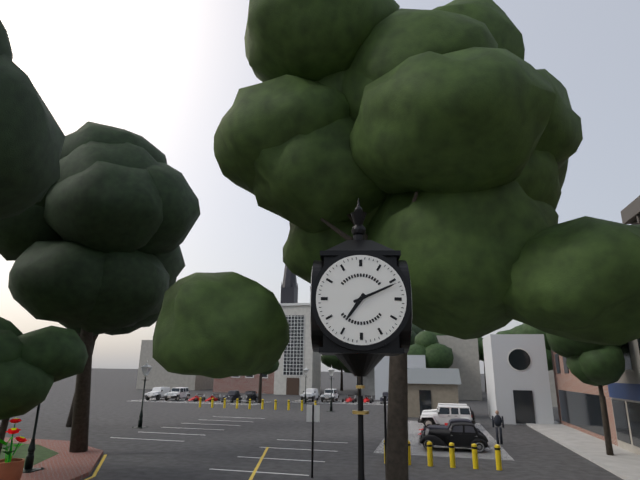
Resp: {"hour": 7, "minute": 11}
